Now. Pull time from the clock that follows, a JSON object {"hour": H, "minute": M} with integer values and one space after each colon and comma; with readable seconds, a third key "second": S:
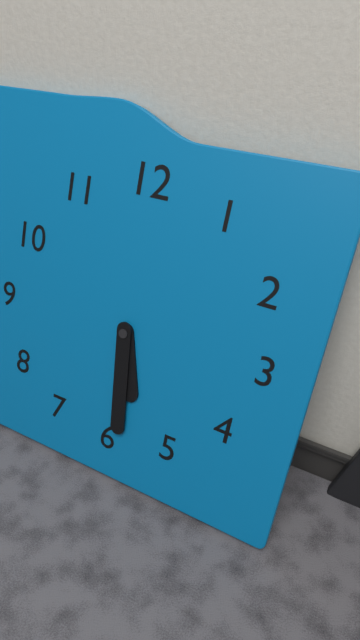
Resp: {"hour": 5, "minute": 29}
